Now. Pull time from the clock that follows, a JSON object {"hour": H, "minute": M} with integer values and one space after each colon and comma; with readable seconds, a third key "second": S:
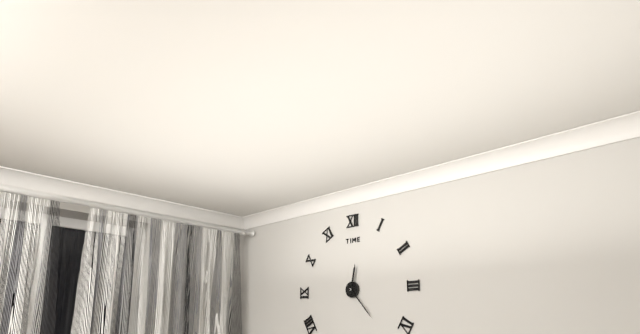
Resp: {"hour": 12, "minute": 23}
